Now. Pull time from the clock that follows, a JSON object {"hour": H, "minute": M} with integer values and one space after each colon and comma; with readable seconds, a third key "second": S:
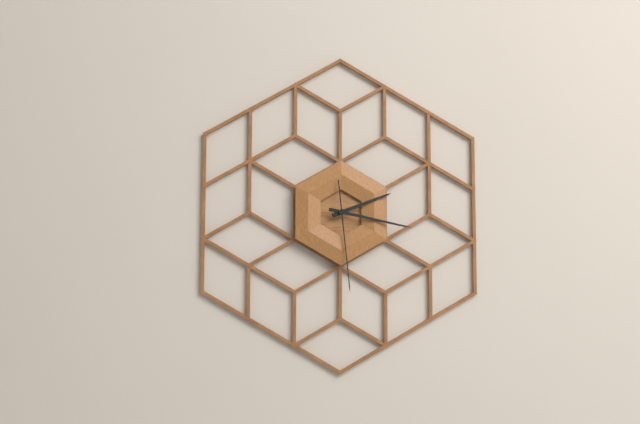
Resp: {"hour": 2, "minute": 17, "second": 29}
